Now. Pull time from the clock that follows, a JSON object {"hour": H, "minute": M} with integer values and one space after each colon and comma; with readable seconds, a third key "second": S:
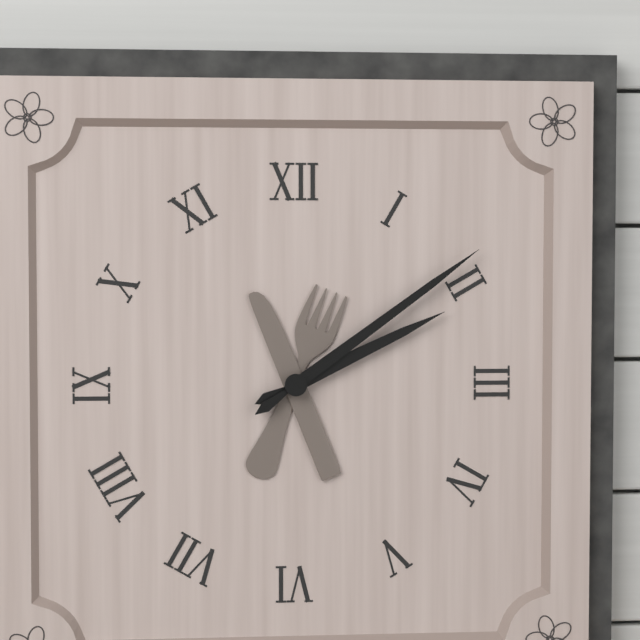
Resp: {"hour": 2, "minute": 9}
